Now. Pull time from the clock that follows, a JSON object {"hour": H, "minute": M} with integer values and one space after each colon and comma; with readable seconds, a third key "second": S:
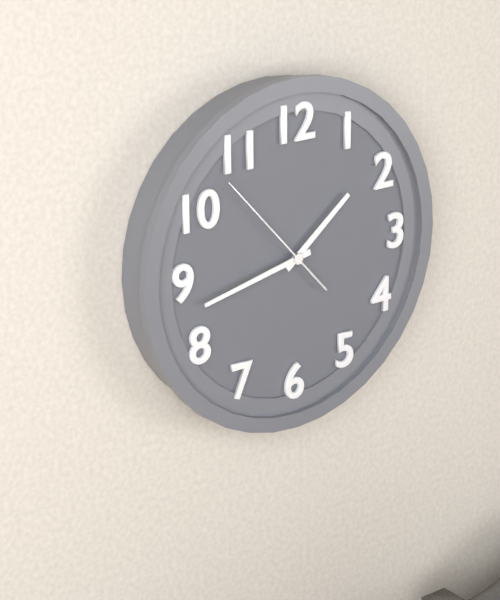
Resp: {"hour": 1, "minute": 43, "second": 53}
